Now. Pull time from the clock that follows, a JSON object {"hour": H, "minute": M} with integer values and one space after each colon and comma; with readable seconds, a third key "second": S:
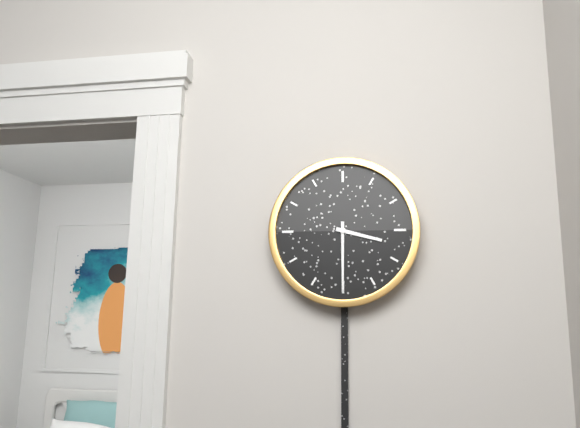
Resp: {"hour": 3, "minute": 30}
